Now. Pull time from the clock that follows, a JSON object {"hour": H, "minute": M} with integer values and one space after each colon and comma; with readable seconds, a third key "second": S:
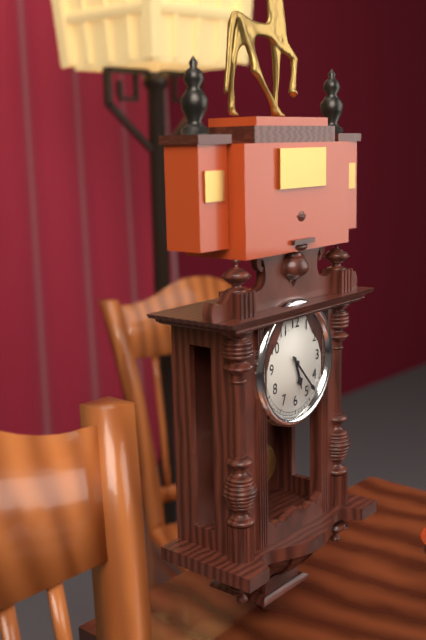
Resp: {"hour": 5, "minute": 23}
